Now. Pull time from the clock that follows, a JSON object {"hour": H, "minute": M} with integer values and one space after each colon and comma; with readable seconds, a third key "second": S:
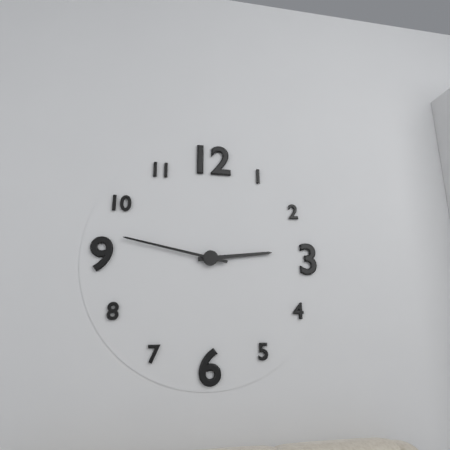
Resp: {"hour": 2, "minute": 47}
